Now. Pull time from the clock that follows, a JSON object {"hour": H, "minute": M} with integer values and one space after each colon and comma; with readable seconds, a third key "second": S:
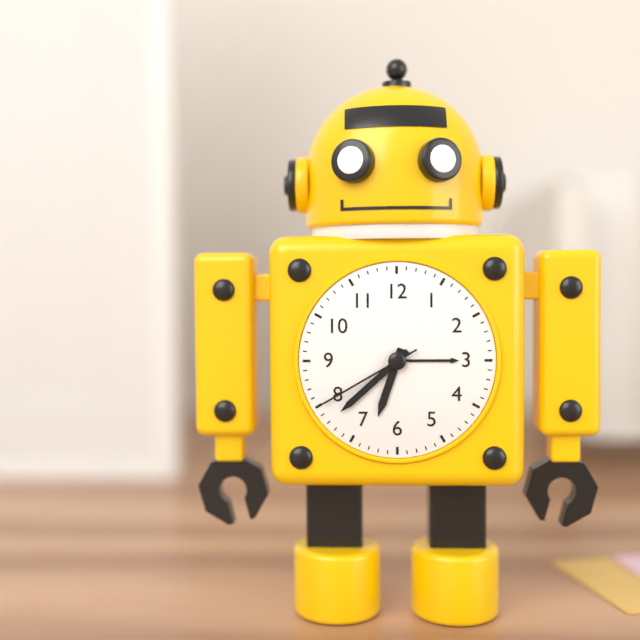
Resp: {"hour": 6, "minute": 38, "second": 40}
